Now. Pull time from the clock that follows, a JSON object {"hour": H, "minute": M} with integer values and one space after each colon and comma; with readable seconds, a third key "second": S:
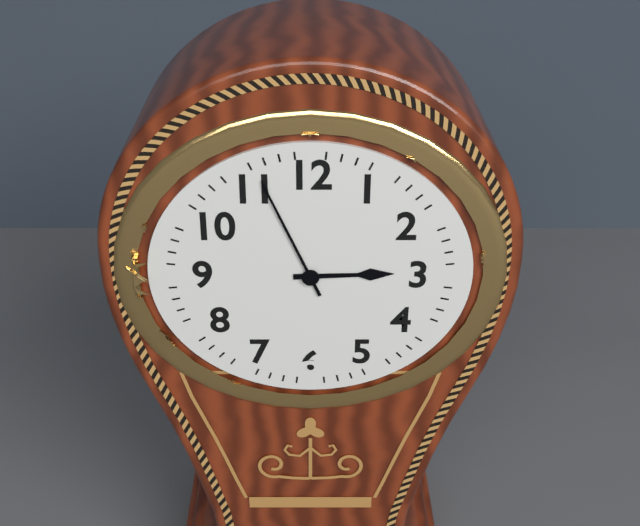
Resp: {"hour": 2, "minute": 56}
